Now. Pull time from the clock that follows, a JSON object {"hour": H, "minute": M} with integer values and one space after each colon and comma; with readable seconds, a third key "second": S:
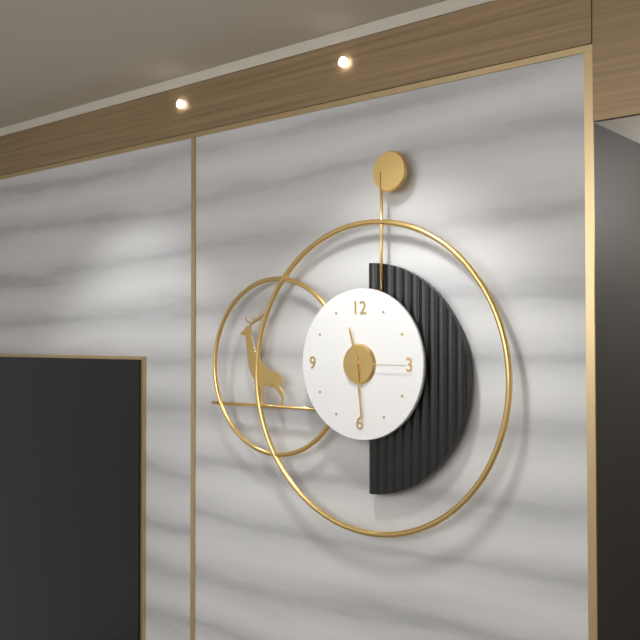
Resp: {"hour": 11, "minute": 29, "second": 15}
